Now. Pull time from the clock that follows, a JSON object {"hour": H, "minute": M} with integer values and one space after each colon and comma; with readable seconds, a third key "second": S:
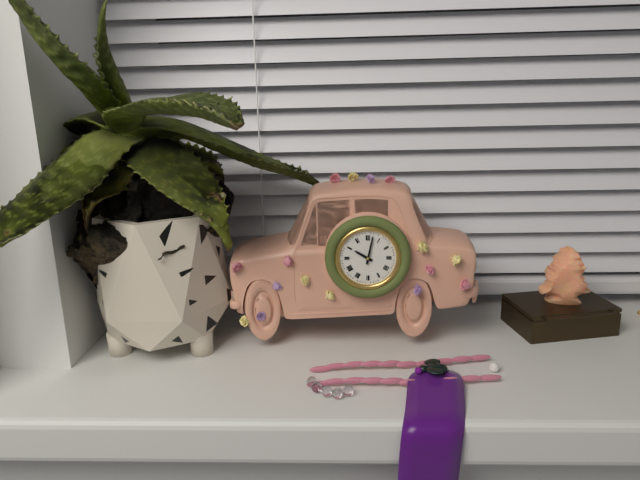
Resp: {"hour": 10, "minute": 2}
